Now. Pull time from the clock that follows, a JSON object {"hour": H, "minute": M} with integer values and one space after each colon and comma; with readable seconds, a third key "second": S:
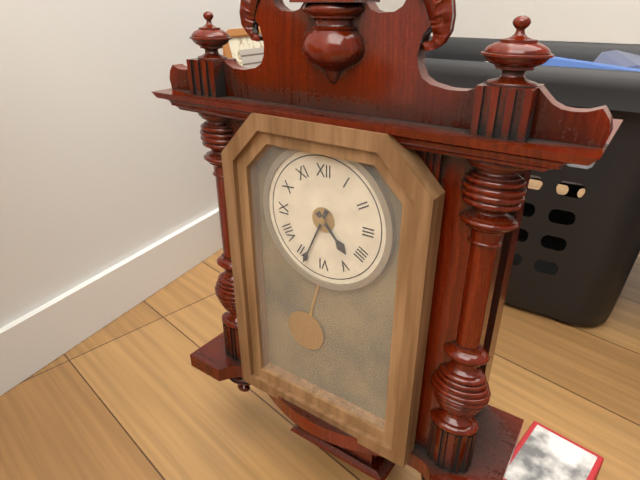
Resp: {"hour": 4, "minute": 34}
